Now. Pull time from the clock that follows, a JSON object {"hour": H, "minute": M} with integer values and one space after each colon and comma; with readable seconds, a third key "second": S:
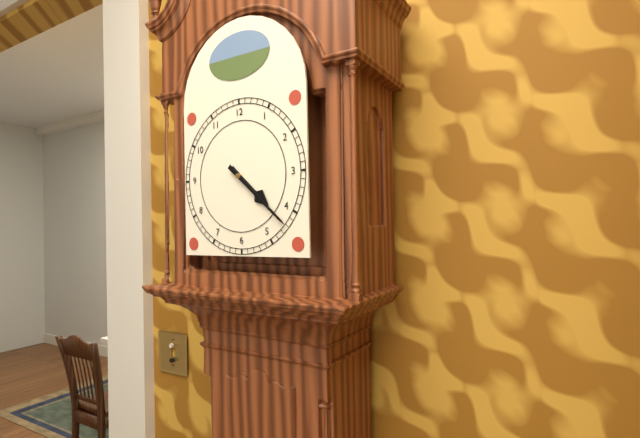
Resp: {"hour": 4, "minute": 22}
